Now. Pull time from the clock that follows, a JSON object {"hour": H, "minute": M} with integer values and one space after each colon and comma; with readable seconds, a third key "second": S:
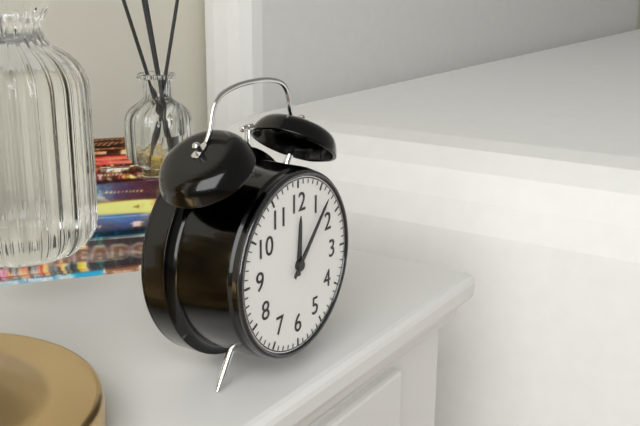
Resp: {"hour": 12, "minute": 7}
